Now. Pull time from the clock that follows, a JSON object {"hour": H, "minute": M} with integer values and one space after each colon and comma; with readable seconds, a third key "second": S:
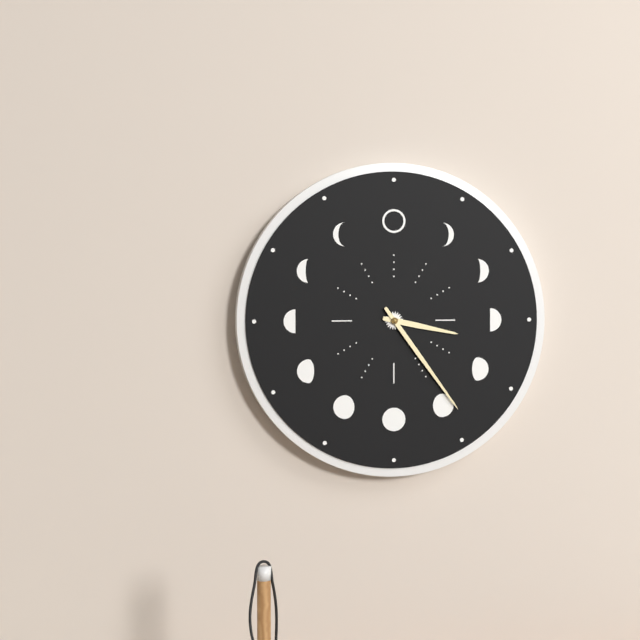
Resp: {"hour": 3, "minute": 24}
